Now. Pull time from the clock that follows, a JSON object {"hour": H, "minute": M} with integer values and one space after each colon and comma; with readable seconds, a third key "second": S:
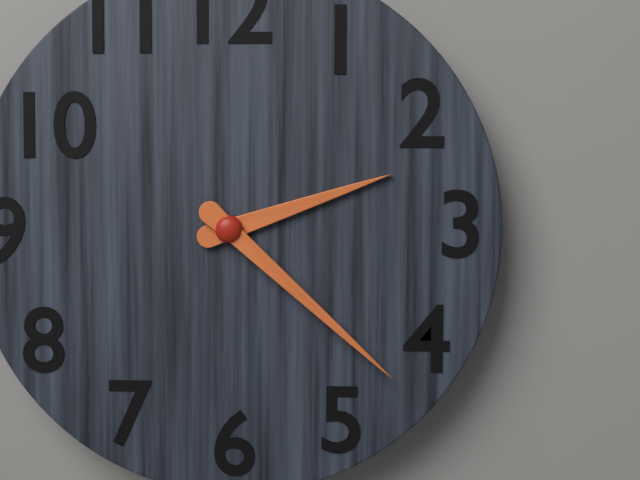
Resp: {"hour": 2, "minute": 22}
